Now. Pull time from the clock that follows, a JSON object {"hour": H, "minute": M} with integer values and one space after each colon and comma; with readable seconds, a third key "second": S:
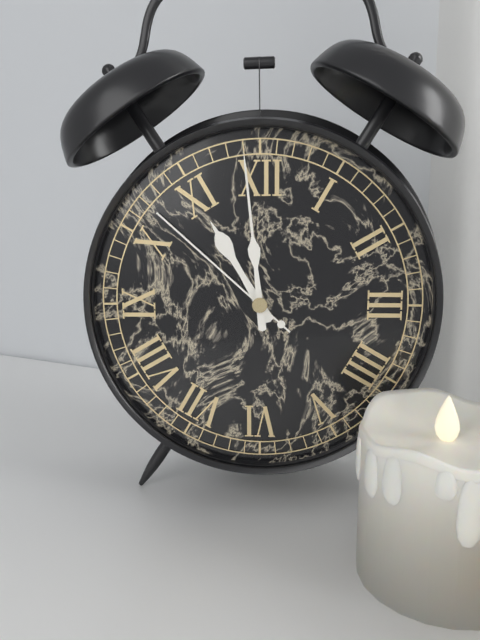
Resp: {"hour": 10, "minute": 59, "second": 52}
